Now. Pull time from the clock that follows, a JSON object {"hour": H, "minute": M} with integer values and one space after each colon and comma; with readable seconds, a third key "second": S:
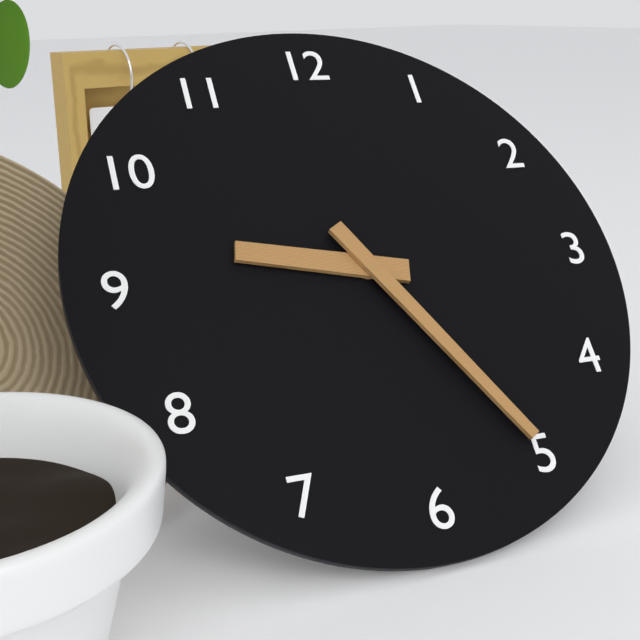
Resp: {"hour": 9, "minute": 25}
